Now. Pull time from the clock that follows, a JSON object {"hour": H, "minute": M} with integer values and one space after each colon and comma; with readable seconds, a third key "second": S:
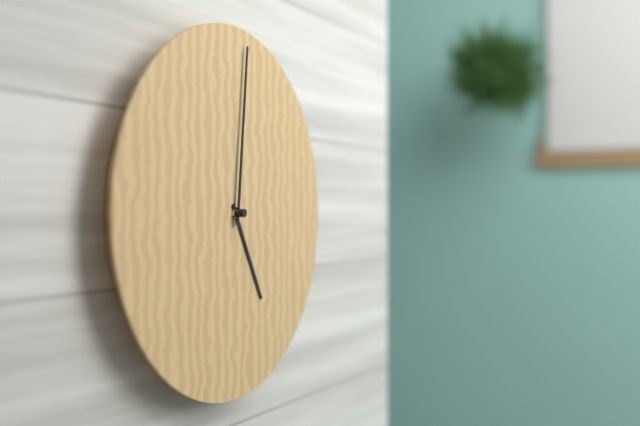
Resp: {"hour": 5, "minute": 1}
